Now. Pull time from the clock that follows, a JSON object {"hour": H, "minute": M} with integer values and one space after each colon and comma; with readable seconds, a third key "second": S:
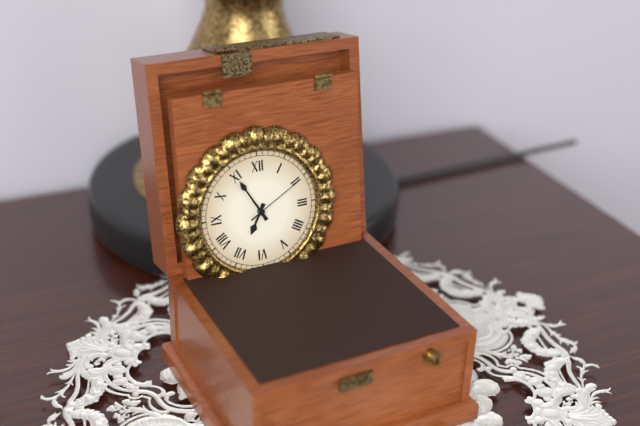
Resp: {"hour": 6, "minute": 55, "second": 10}
